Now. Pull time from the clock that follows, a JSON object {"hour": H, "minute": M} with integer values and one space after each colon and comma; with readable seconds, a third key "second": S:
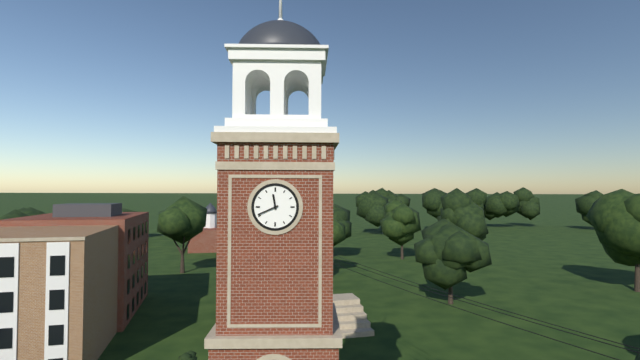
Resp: {"hour": 11, "minute": 41}
